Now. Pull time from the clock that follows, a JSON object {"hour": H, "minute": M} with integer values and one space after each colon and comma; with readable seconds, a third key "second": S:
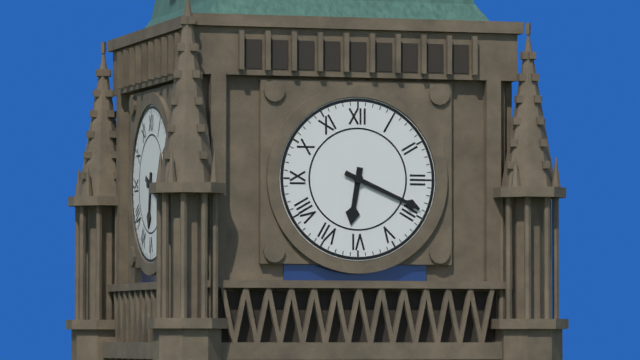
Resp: {"hour": 6, "minute": 19}
